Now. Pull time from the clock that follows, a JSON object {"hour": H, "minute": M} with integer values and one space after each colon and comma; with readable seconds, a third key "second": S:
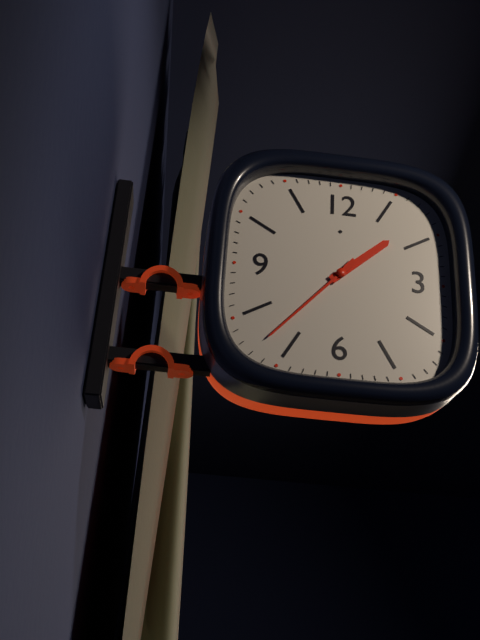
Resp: {"hour": 1, "minute": 37}
